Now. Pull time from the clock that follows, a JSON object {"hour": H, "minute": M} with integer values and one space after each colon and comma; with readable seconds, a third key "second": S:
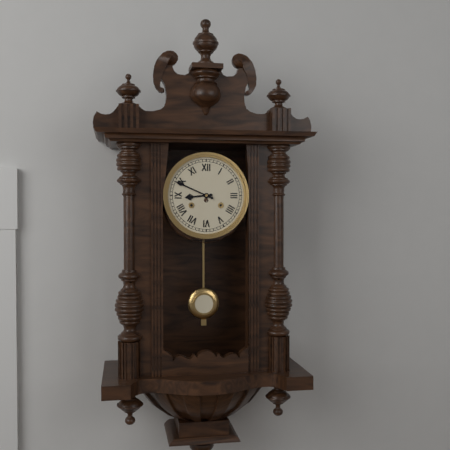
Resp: {"hour": 8, "minute": 49}
